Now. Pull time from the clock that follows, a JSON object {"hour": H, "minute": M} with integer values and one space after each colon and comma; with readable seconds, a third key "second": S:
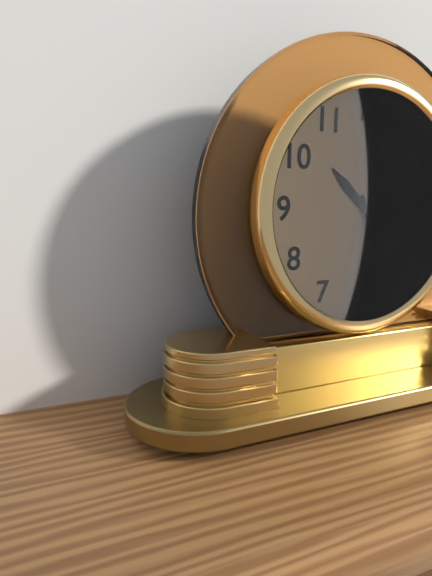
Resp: {"hour": 10, "minute": 26}
